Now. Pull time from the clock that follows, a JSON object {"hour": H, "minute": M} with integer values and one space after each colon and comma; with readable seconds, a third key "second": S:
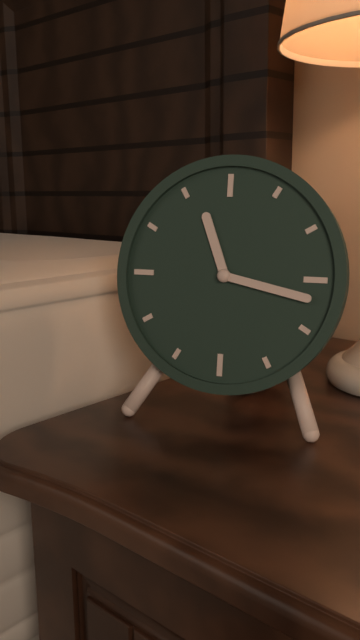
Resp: {"hour": 11, "minute": 17}
